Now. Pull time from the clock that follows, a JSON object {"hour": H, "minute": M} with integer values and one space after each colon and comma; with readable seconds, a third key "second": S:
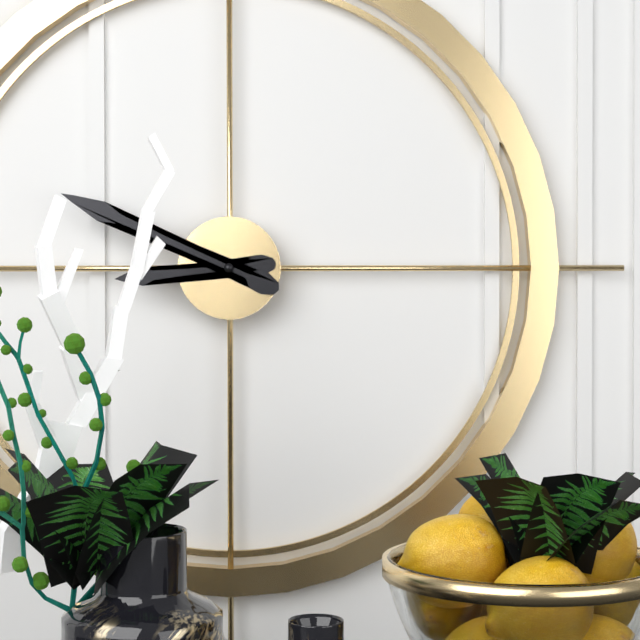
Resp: {"hour": 8, "minute": 49}
